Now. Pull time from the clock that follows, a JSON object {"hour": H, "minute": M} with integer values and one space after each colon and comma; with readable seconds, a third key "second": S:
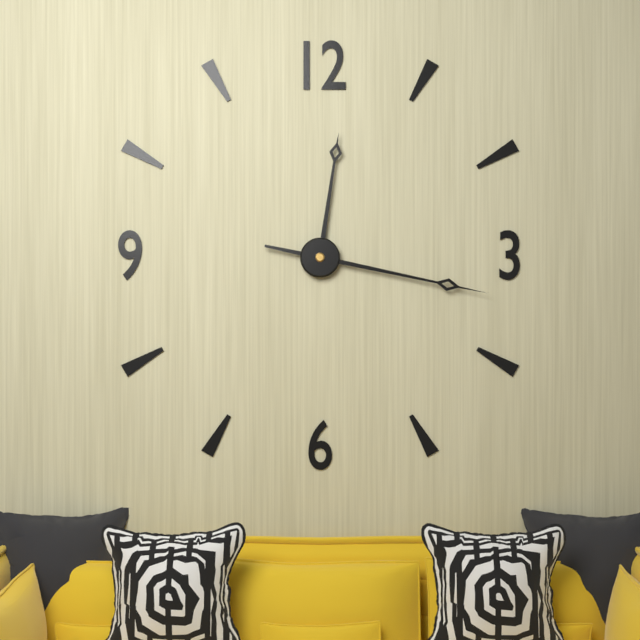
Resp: {"hour": 12, "minute": 17}
